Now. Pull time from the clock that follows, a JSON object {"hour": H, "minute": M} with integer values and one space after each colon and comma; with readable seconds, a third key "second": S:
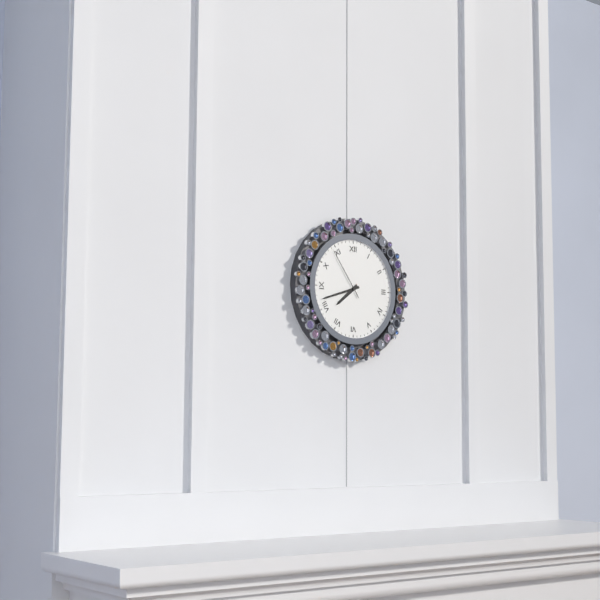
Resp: {"hour": 7, "minute": 42, "second": 54}
